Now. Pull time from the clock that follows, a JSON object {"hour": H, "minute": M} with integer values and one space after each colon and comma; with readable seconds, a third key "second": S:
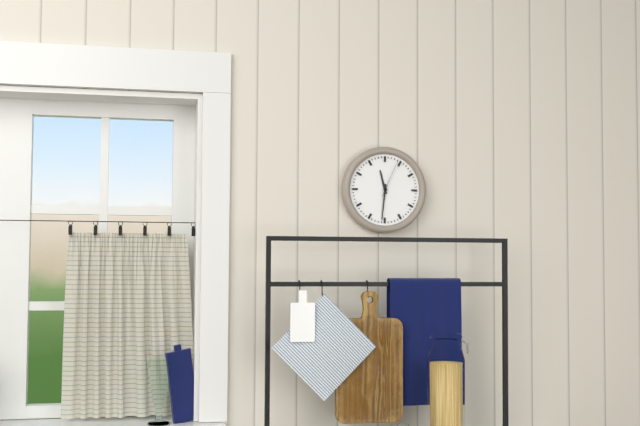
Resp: {"hour": 11, "minute": 31}
